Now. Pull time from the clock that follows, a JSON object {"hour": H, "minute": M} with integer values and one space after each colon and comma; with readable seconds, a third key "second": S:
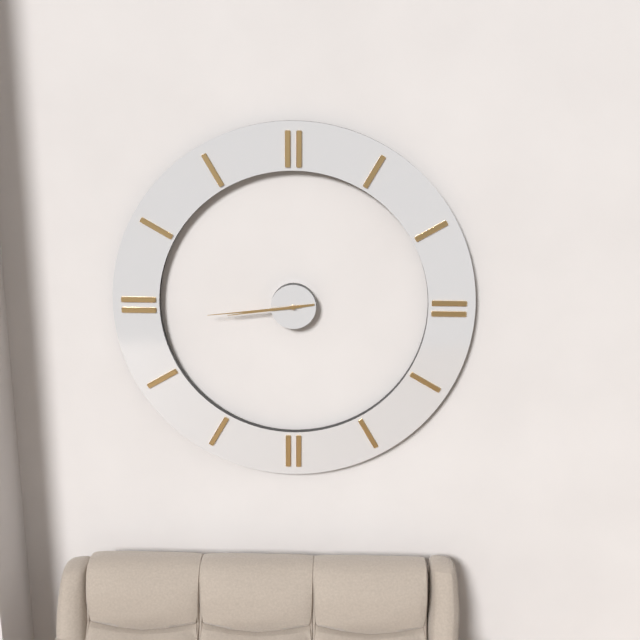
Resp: {"hour": 8, "minute": 44}
